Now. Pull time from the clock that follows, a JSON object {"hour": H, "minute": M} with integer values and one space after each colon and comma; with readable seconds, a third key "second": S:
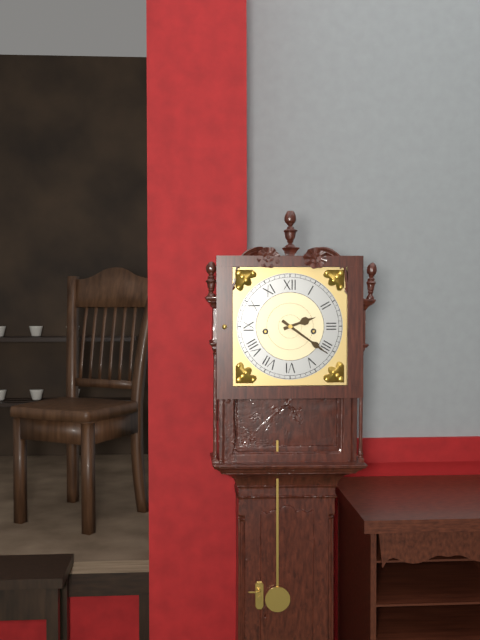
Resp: {"hour": 2, "minute": 21}
